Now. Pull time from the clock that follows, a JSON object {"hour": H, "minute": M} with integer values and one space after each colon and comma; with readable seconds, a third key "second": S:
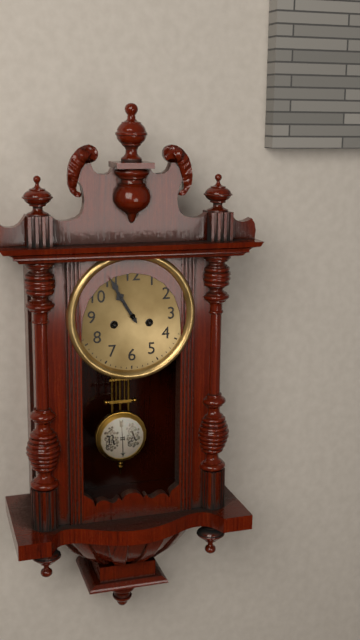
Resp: {"hour": 10, "minute": 55}
